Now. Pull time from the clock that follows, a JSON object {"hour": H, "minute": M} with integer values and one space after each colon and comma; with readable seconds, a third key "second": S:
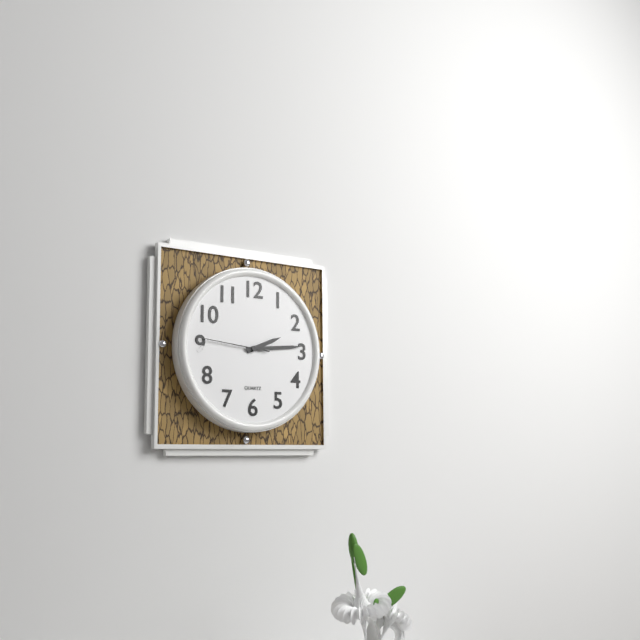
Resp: {"hour": 2, "minute": 14, "second": 46}
